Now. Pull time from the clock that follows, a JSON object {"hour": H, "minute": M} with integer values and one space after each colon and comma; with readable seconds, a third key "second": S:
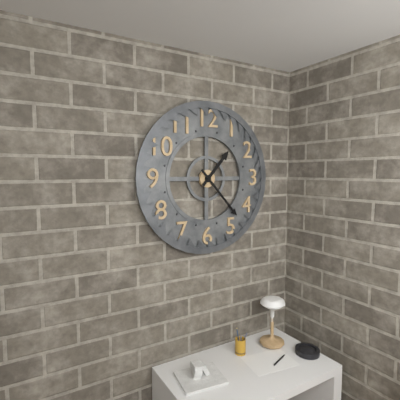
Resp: {"hour": 1, "minute": 23}
